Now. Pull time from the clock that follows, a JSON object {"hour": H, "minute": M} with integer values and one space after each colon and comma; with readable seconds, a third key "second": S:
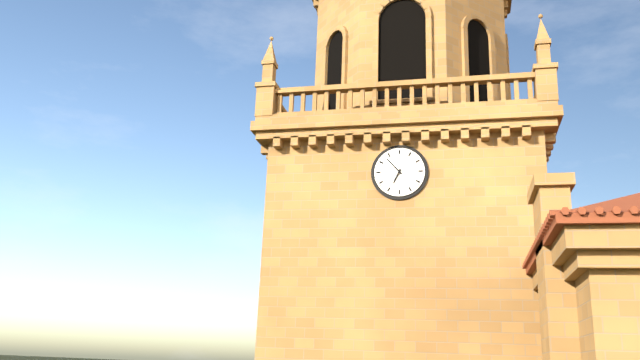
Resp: {"hour": 6, "minute": 53}
